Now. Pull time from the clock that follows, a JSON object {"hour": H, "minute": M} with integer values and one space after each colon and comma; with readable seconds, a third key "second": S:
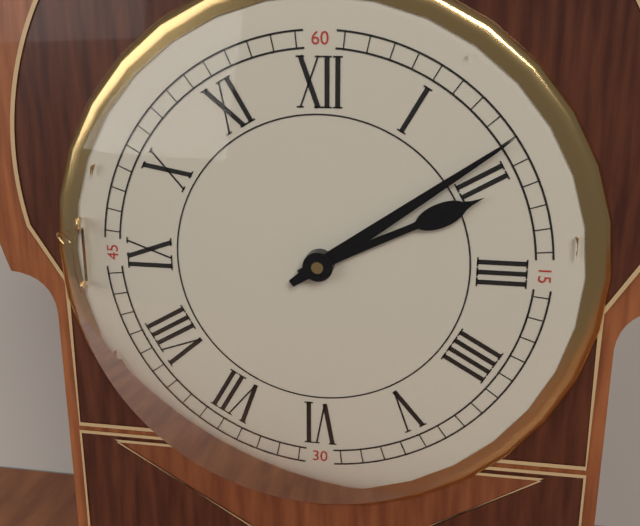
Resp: {"hour": 2, "minute": 9}
